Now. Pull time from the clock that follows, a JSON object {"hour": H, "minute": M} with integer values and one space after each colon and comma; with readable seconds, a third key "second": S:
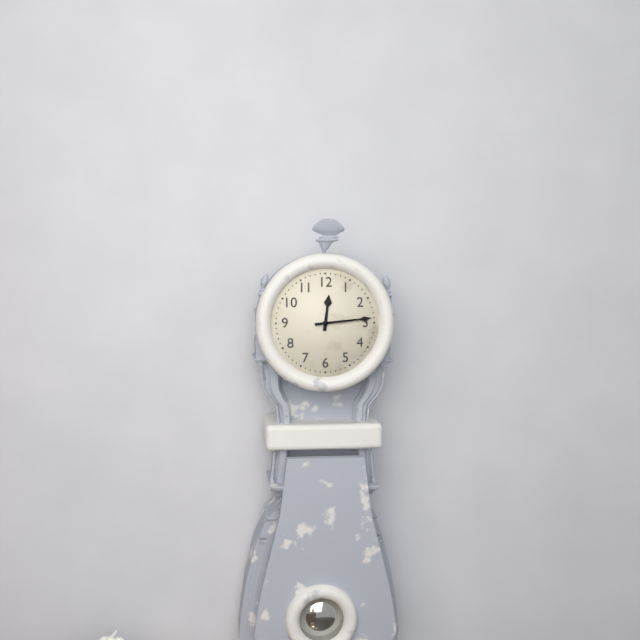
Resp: {"hour": 12, "minute": 14}
